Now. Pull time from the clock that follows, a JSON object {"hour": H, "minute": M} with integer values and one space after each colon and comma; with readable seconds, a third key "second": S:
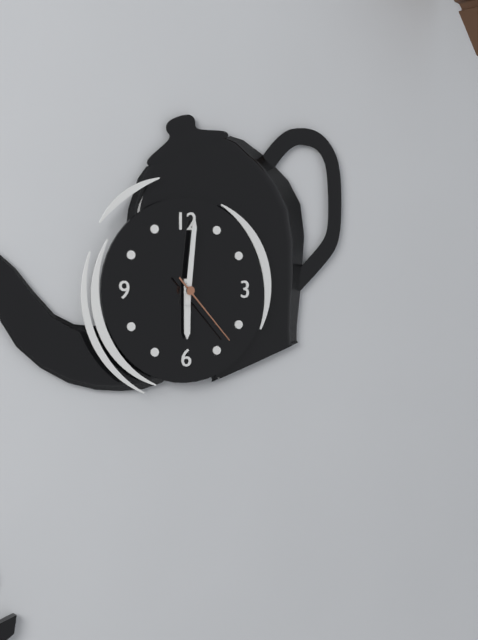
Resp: {"hour": 6, "minute": 1, "second": 23}
